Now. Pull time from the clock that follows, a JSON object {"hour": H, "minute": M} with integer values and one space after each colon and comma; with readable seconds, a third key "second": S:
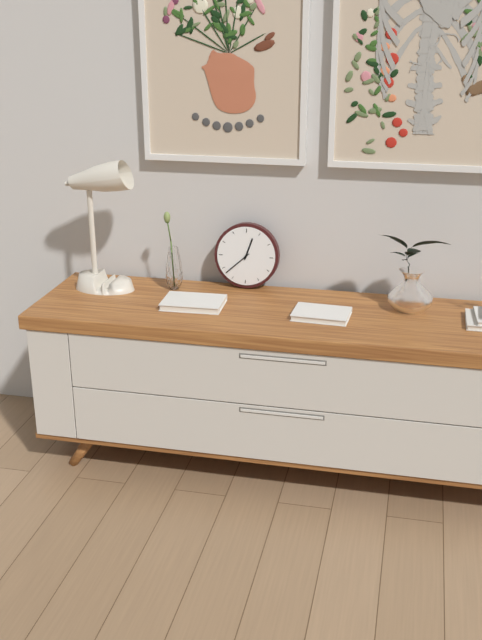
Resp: {"hour": 12, "minute": 38}
